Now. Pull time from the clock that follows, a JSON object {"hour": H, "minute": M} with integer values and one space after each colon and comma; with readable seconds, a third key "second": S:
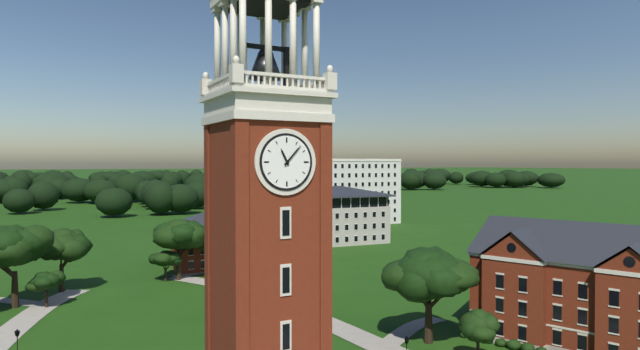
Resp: {"hour": 11, "minute": 7}
